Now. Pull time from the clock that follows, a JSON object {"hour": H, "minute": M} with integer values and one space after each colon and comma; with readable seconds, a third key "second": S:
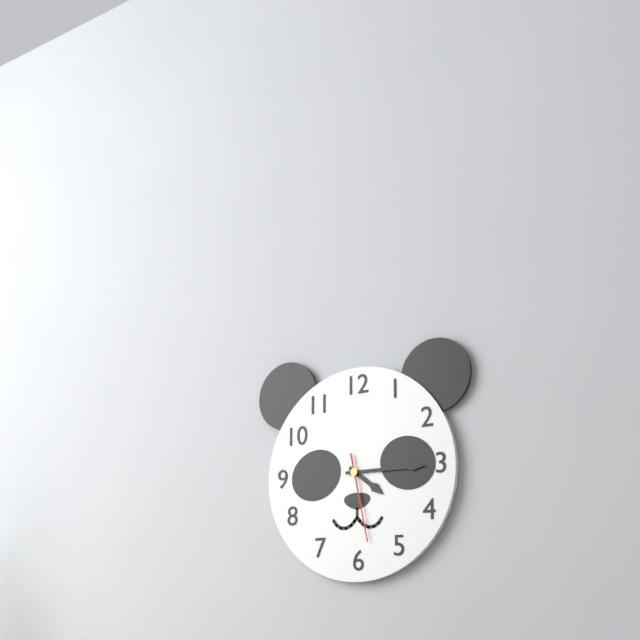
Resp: {"hour": 4, "minute": 15, "second": 28}
